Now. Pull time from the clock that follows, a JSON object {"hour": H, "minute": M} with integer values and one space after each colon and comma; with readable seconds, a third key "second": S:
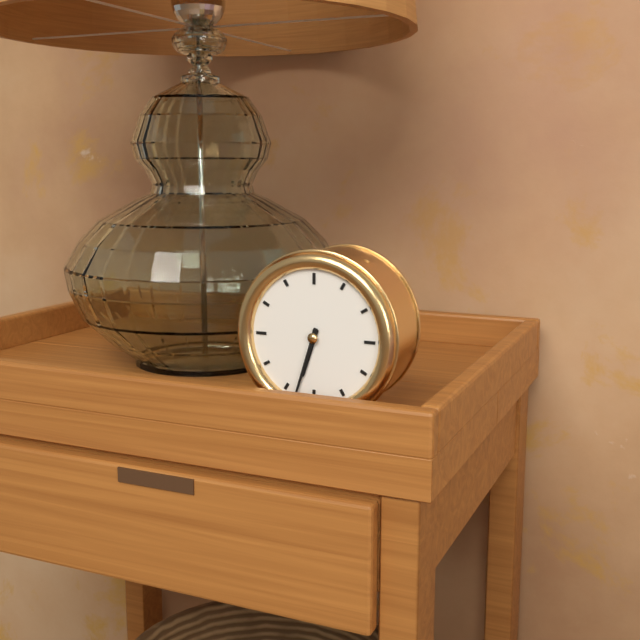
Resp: {"hour": 6, "minute": 33}
